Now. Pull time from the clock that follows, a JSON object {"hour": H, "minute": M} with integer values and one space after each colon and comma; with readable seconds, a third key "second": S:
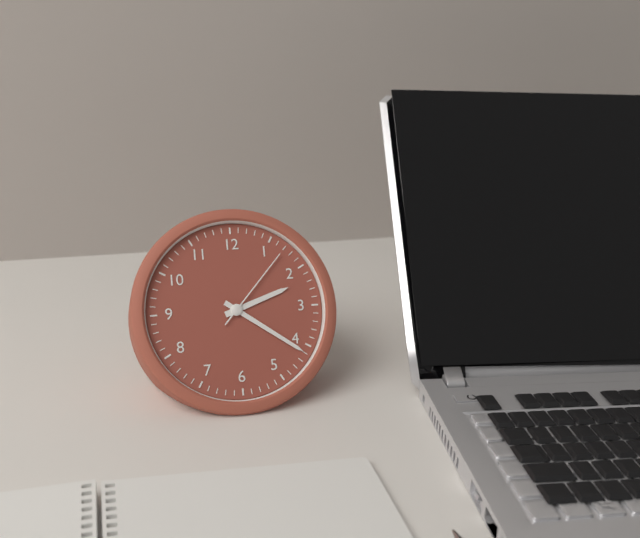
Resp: {"hour": 2, "minute": 21, "second": 7}
